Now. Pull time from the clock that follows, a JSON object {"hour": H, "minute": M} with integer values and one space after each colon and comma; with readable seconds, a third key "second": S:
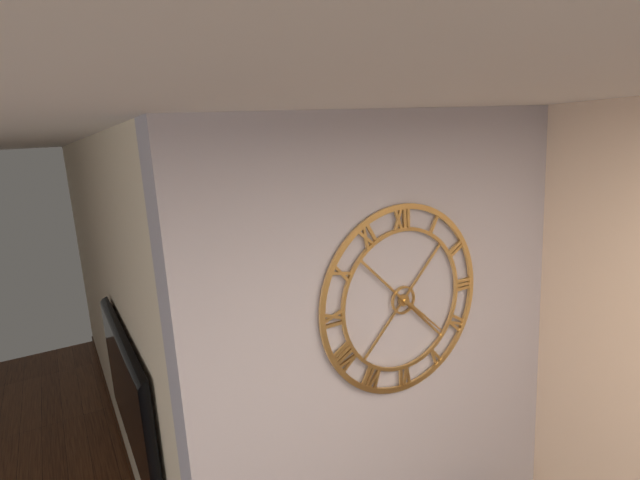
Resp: {"hour": 4, "minute": 22}
